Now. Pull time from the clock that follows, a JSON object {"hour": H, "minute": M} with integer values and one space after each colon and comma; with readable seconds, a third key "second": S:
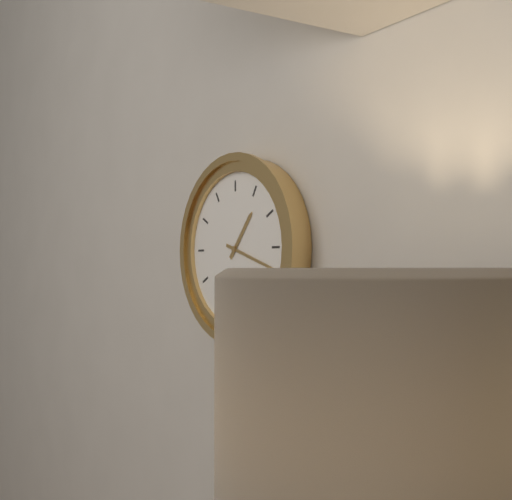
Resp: {"hour": 1, "minute": 18}
